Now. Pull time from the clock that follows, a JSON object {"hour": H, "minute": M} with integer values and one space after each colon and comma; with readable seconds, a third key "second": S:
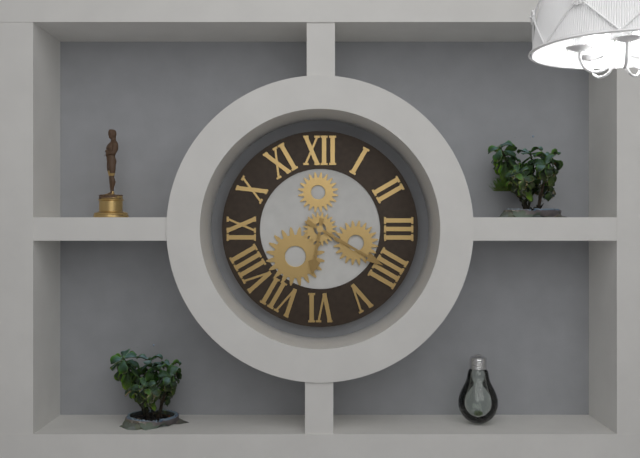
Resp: {"hour": 6, "minute": 20}
